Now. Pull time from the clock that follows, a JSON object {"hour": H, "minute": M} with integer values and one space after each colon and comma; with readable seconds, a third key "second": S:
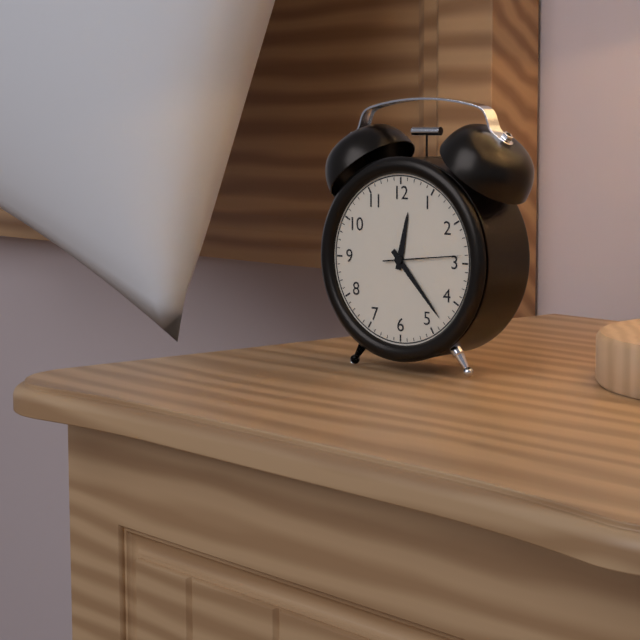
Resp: {"hour": 12, "minute": 23, "second": 14}
